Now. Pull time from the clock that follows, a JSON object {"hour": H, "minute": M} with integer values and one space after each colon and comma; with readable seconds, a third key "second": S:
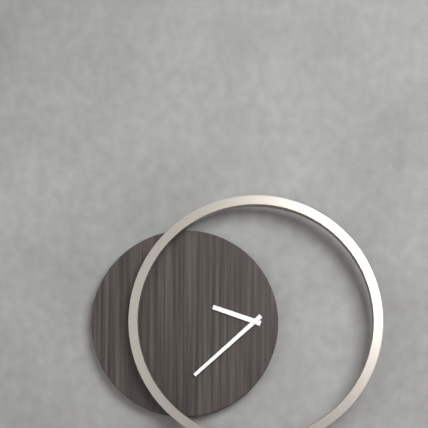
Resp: {"hour": 9, "minute": 38}
